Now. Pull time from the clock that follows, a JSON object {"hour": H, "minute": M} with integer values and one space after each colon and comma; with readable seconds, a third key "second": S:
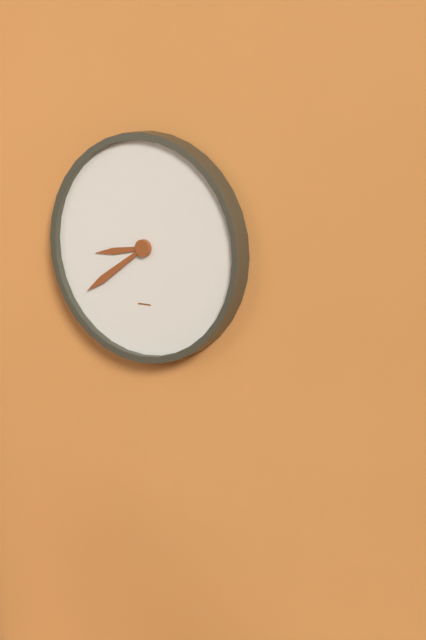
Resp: {"hour": 8, "minute": 39}
